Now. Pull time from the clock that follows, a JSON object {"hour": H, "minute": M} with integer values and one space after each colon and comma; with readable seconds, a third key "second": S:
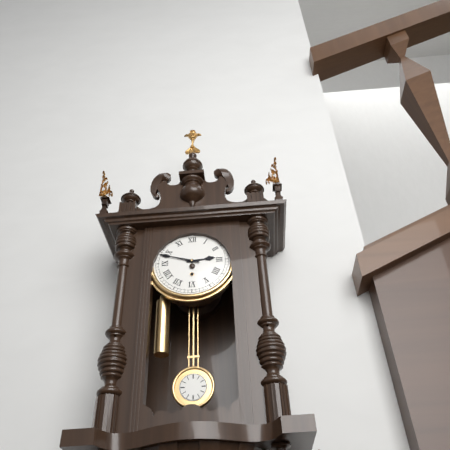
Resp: {"hour": 2, "minute": 48}
